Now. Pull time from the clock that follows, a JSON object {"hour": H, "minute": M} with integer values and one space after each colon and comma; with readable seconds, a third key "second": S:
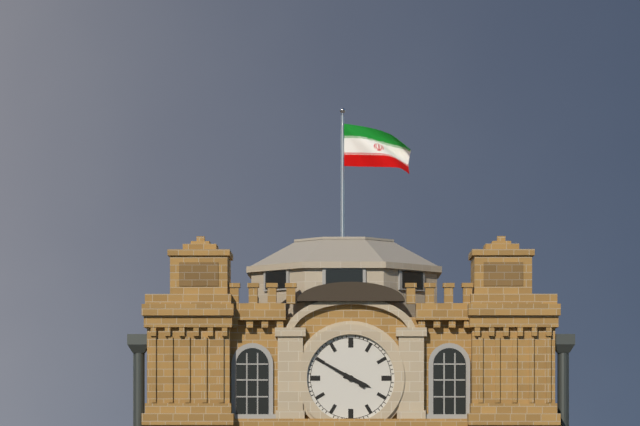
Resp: {"hour": 3, "minute": 50}
